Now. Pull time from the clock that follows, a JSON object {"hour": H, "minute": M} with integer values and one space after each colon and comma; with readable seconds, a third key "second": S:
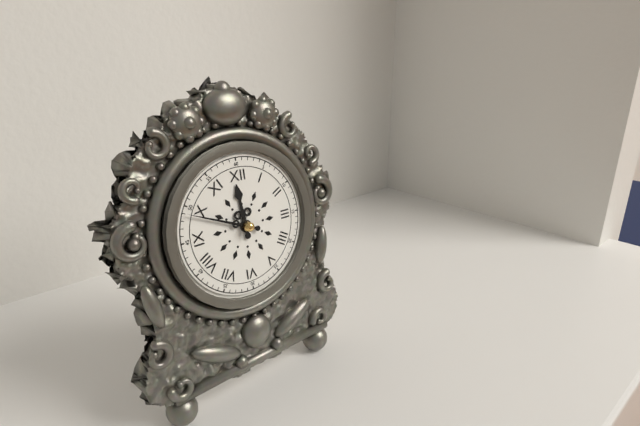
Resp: {"hour": 11, "minute": 49}
